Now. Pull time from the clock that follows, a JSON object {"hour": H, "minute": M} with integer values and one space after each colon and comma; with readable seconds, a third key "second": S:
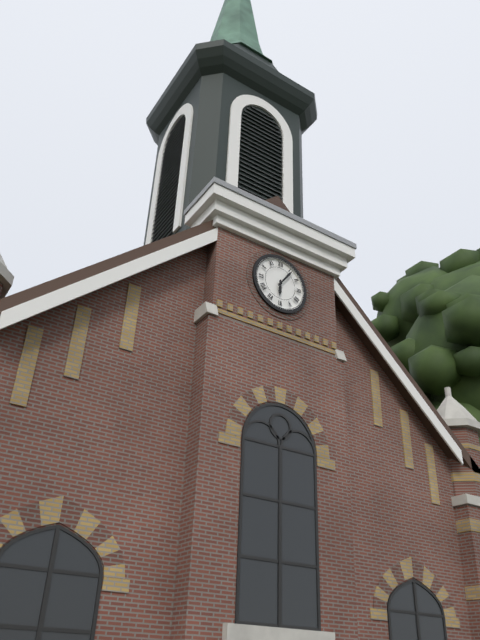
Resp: {"hour": 6, "minute": 6}
